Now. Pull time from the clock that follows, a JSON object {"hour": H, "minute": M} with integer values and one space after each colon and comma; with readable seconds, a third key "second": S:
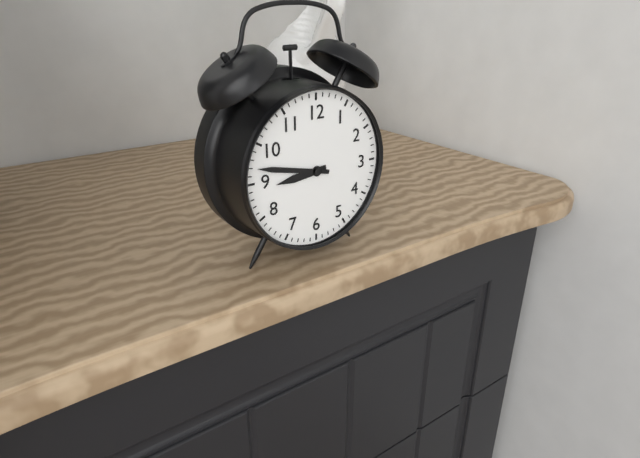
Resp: {"hour": 8, "minute": 47}
